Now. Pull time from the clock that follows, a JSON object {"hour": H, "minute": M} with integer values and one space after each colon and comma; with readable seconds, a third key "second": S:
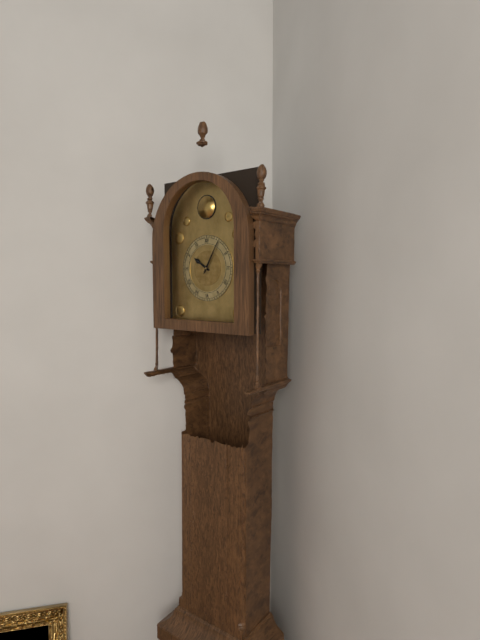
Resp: {"hour": 10, "minute": 5}
